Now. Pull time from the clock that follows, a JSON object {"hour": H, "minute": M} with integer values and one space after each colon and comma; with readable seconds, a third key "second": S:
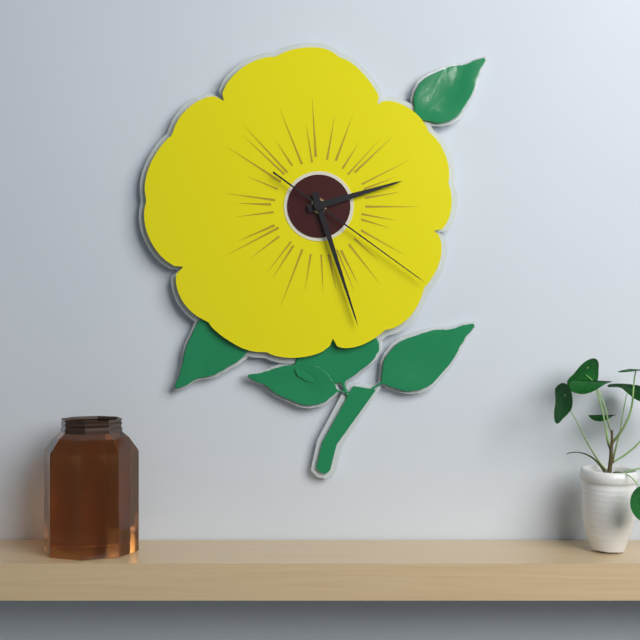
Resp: {"hour": 2, "minute": 27, "second": 21}
